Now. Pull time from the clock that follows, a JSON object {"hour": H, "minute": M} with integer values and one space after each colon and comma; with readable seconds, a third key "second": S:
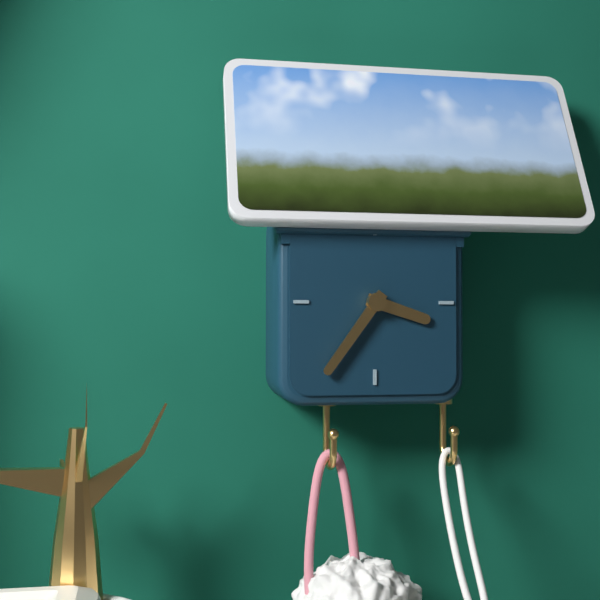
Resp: {"hour": 3, "minute": 36}
